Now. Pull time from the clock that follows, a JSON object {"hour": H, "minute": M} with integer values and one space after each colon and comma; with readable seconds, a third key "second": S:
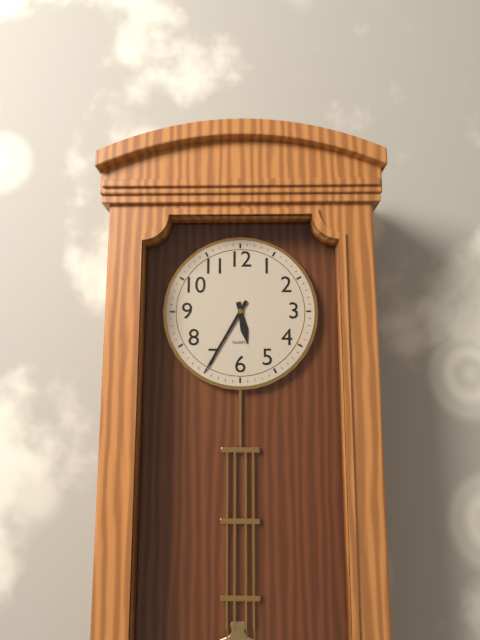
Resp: {"hour": 5, "minute": 35}
